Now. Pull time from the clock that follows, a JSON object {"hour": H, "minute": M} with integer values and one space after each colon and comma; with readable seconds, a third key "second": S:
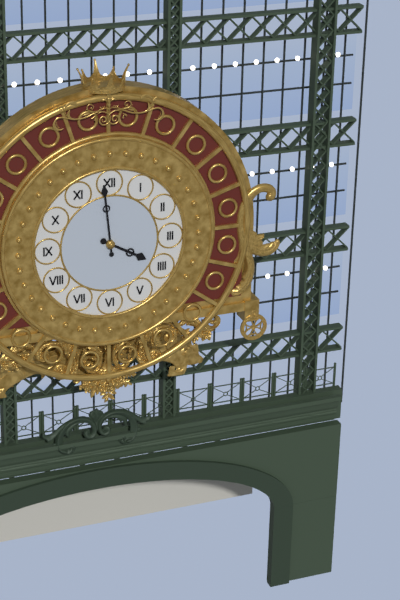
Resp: {"hour": 3, "minute": 59}
